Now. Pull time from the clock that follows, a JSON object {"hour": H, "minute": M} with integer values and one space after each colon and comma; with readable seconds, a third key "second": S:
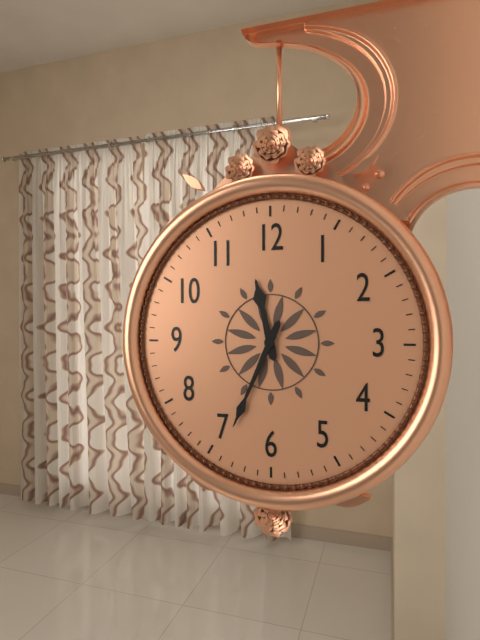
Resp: {"hour": 11, "minute": 34}
